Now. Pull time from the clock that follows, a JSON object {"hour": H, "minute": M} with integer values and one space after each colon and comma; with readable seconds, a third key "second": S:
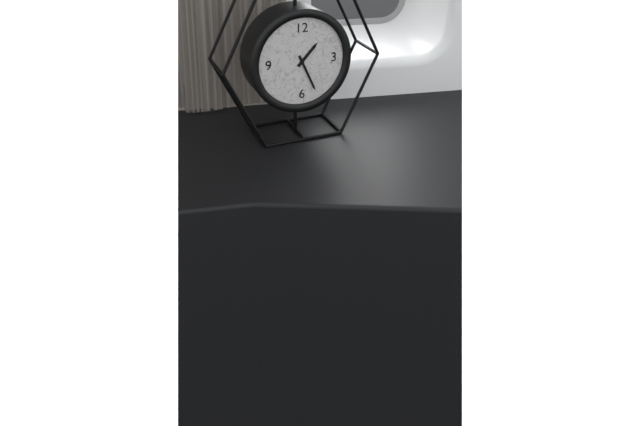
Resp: {"hour": 1, "minute": 26}
